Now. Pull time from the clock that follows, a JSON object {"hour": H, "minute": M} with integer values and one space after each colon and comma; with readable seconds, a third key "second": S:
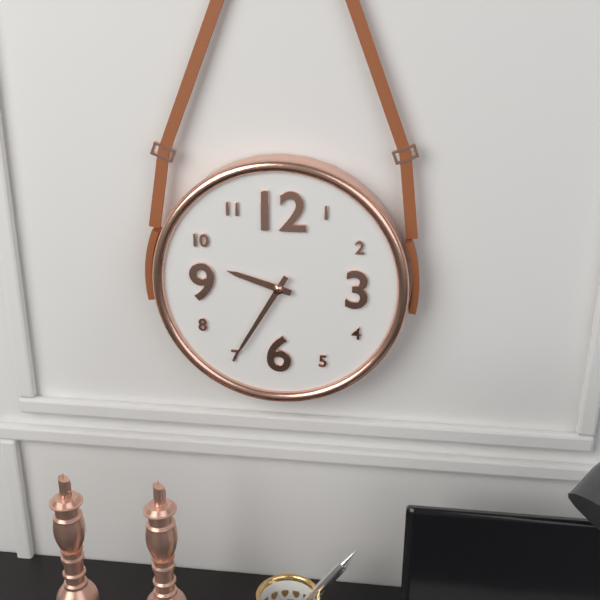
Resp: {"hour": 9, "minute": 35}
